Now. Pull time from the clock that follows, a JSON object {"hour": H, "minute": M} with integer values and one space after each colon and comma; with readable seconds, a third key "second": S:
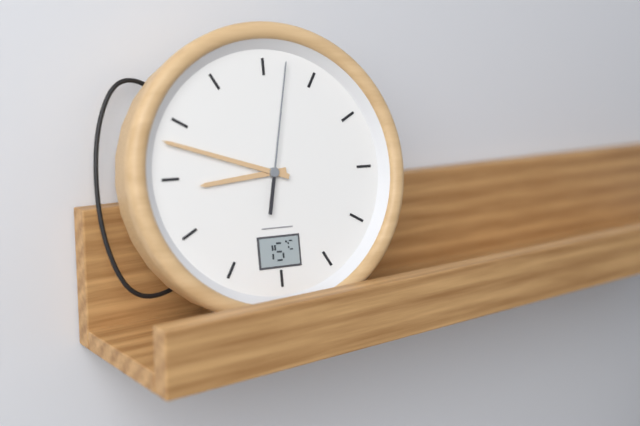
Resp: {"hour": 8, "minute": 48, "second": 2}
